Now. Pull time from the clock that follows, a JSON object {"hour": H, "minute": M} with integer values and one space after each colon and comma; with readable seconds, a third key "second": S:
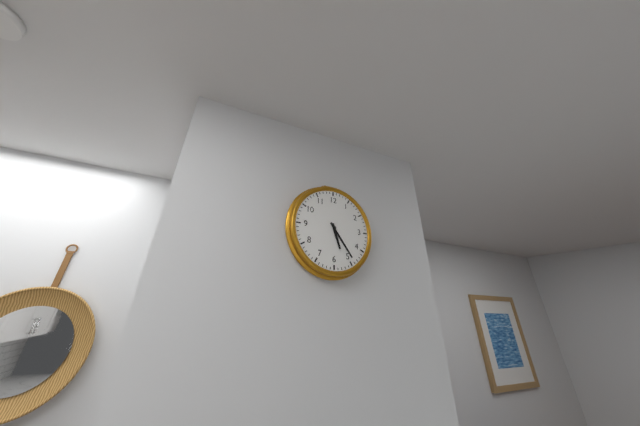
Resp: {"hour": 5, "minute": 24}
